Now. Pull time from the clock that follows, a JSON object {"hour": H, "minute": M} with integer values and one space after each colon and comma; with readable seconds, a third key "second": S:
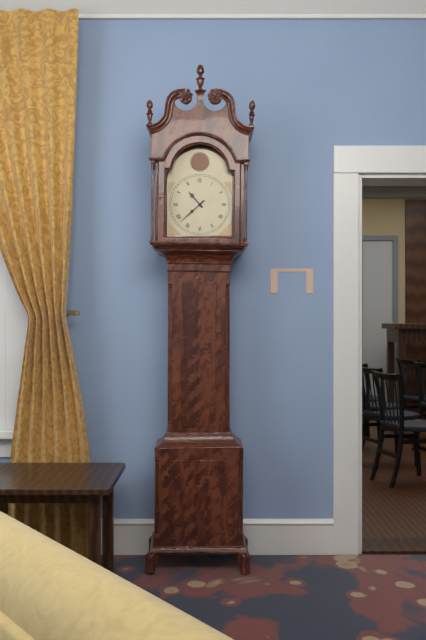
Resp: {"hour": 10, "minute": 38}
